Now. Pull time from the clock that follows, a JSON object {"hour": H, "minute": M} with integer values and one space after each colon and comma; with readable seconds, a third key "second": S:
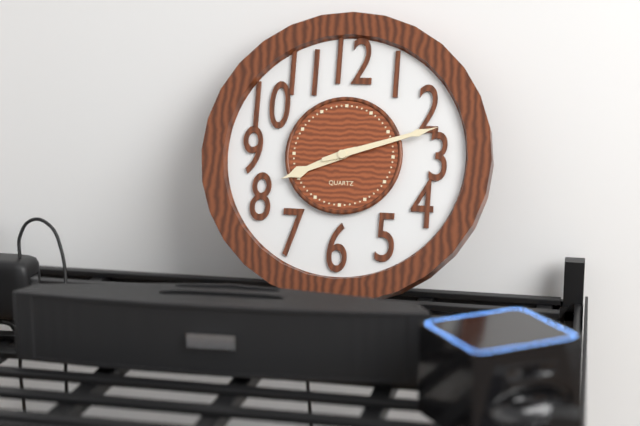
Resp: {"hour": 8, "minute": 12}
